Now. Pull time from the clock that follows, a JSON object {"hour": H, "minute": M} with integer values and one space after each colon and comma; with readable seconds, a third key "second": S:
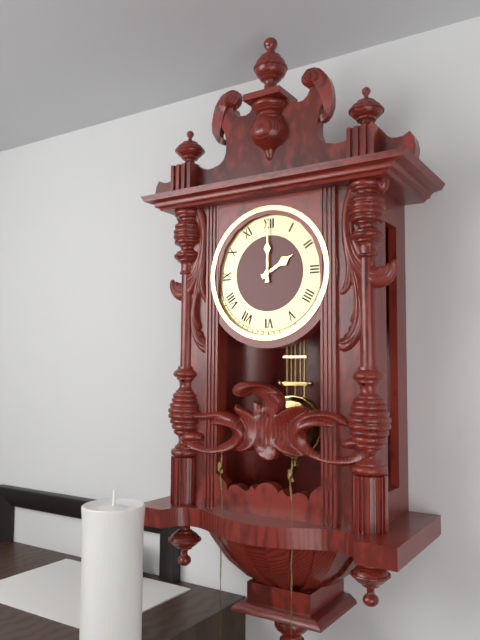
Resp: {"hour": 2, "minute": 0}
